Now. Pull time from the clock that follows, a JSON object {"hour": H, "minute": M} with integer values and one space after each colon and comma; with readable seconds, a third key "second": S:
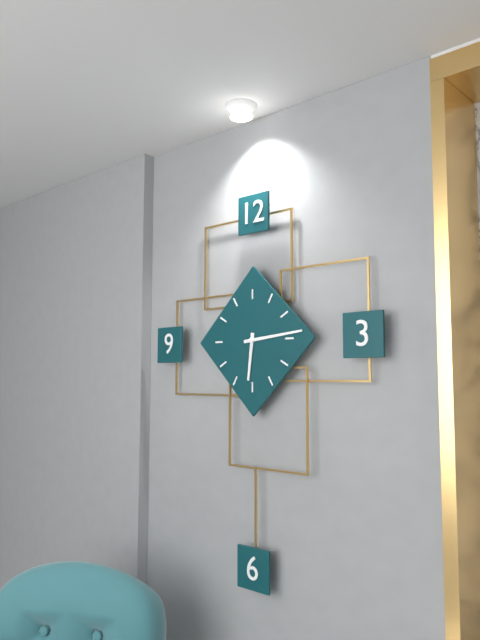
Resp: {"hour": 6, "minute": 14}
